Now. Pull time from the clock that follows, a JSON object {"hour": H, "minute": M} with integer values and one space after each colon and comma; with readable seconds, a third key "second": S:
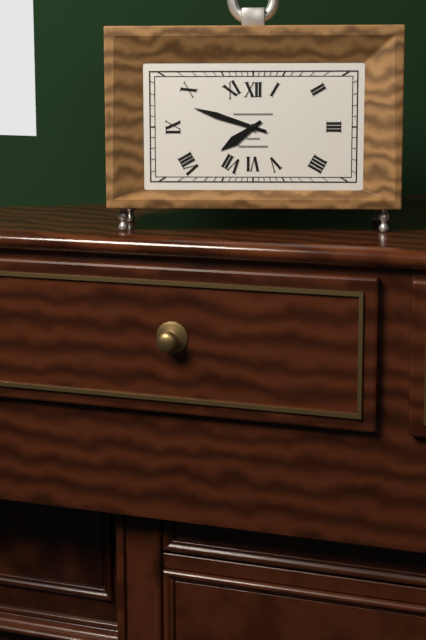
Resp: {"hour": 7, "minute": 48}
